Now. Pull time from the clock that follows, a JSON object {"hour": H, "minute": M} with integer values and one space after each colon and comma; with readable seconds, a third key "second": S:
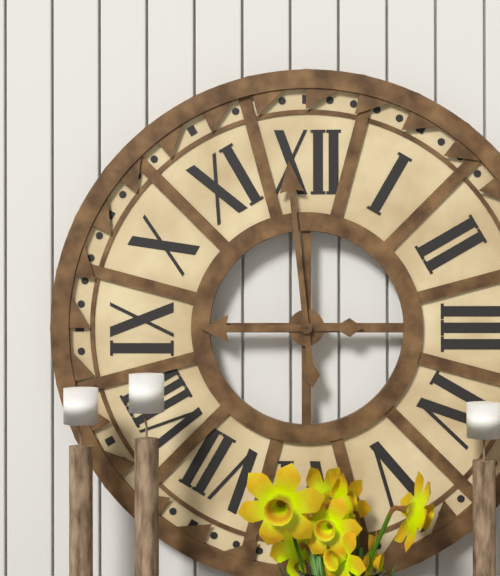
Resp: {"hour": 8, "minute": 59}
